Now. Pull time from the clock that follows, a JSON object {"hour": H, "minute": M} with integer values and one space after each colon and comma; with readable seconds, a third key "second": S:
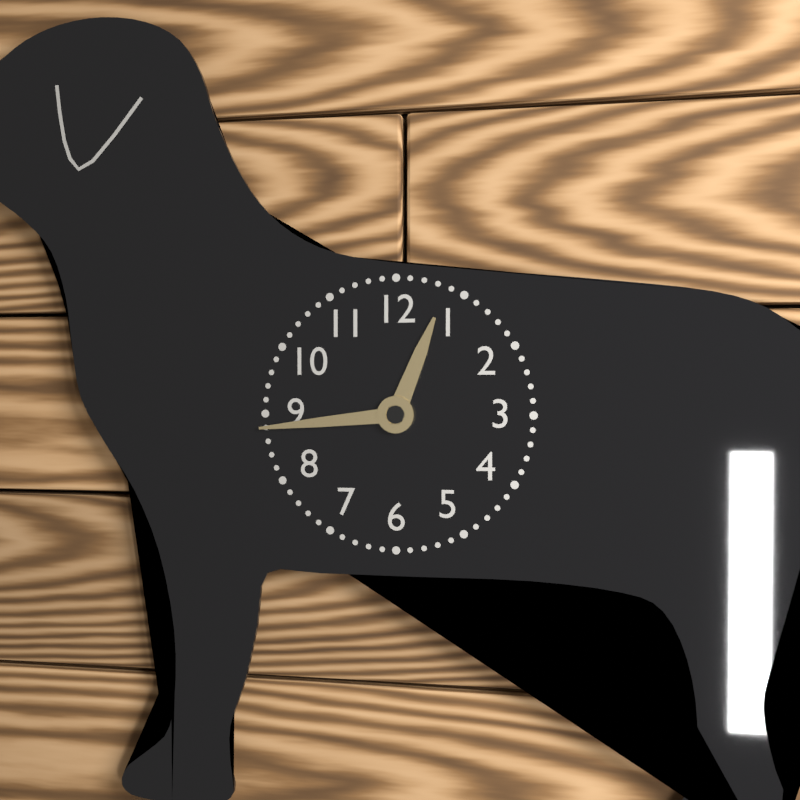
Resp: {"hour": 12, "minute": 44}
